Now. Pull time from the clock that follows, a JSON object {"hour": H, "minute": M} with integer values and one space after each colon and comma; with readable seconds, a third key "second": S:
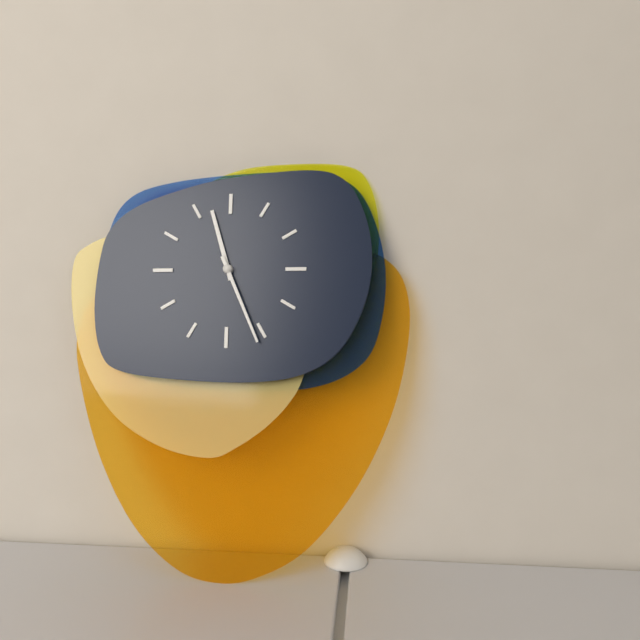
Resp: {"hour": 11, "minute": 26}
